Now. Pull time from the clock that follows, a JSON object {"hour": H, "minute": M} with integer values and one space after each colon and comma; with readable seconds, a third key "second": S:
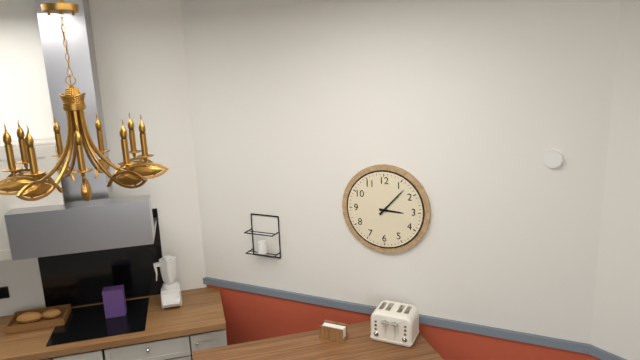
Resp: {"hour": 3, "minute": 7}
